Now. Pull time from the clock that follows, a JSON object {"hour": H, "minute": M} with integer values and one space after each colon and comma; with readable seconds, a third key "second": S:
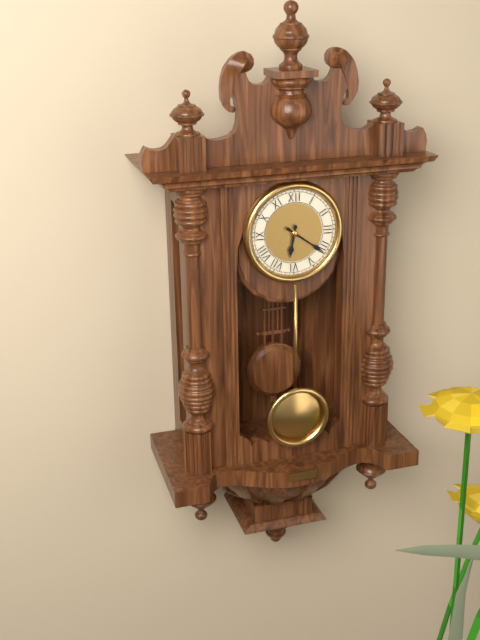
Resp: {"hour": 6, "minute": 21}
